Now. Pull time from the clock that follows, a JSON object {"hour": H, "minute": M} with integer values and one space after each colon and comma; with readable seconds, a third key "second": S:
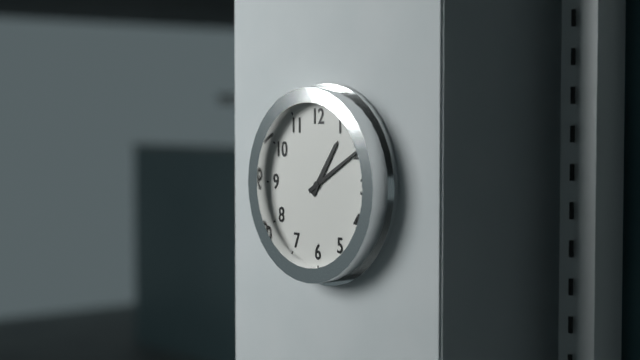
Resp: {"hour": 1, "minute": 10}
